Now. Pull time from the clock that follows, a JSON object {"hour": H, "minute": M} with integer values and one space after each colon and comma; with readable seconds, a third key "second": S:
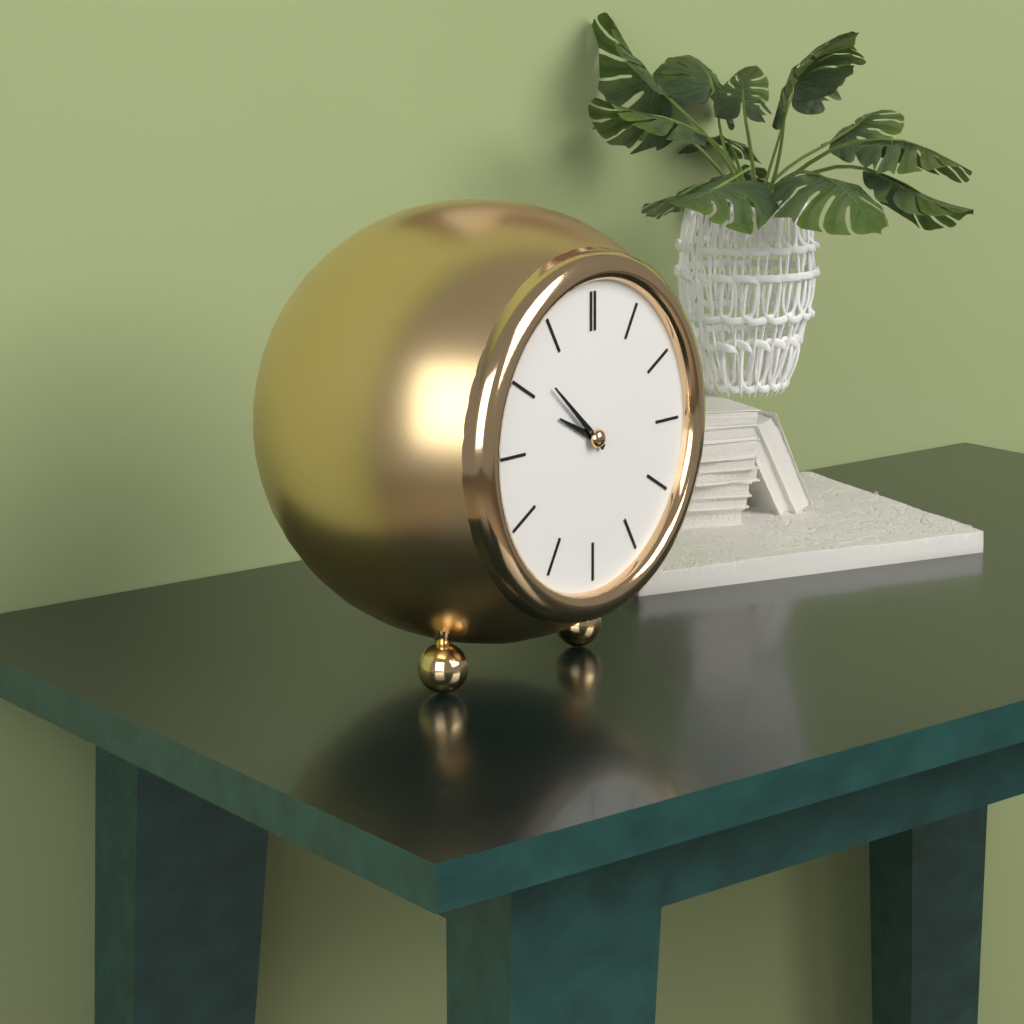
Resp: {"hour": 9, "minute": 52}
